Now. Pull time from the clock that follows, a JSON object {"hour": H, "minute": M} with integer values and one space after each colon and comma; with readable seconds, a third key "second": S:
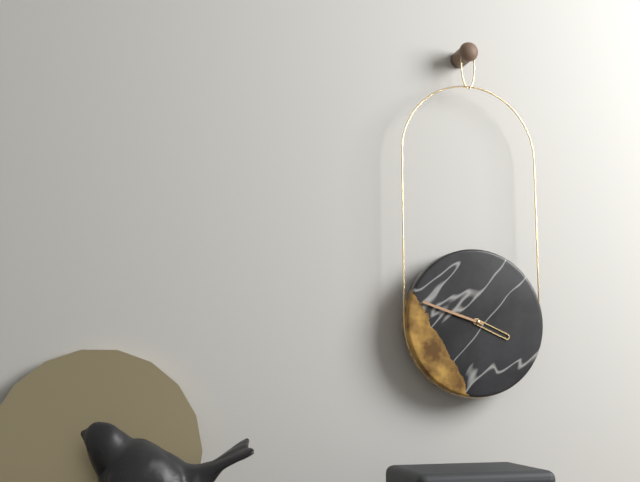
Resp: {"hour": 3, "minute": 48}
